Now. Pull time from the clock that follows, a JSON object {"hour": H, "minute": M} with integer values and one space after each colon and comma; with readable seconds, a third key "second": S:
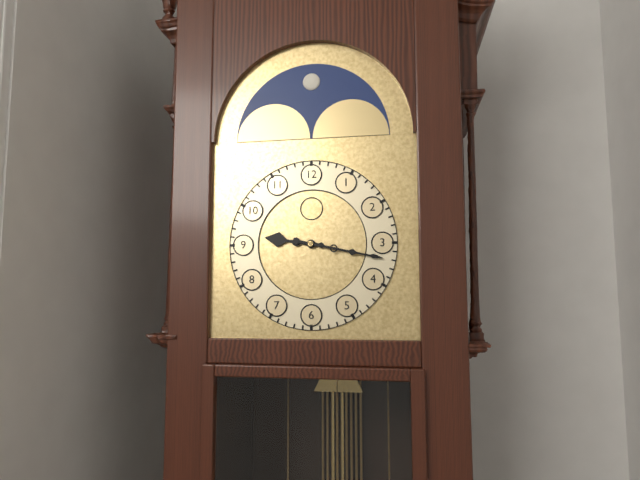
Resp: {"hour": 9, "minute": 17}
